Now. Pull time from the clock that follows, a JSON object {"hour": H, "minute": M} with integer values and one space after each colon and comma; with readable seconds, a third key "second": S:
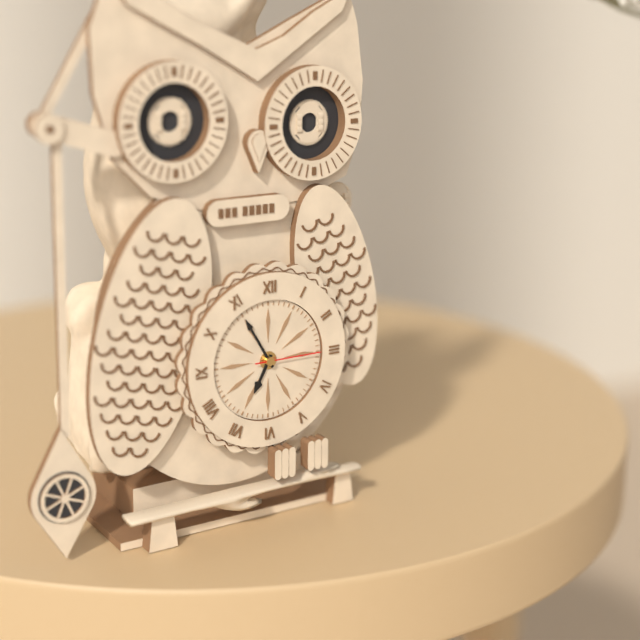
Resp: {"hour": 6, "minute": 55, "second": 15}
